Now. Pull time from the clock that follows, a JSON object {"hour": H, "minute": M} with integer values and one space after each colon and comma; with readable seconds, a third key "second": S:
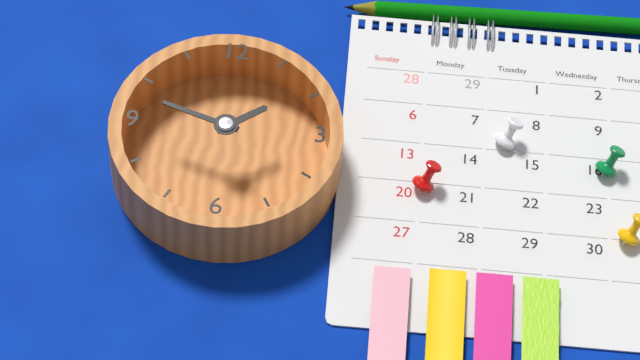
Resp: {"hour": 1, "minute": 48}
